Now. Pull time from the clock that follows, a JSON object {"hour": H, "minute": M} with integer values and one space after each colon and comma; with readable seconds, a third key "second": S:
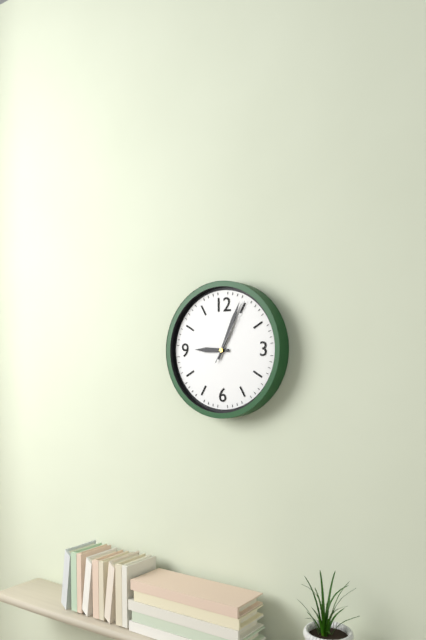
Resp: {"hour": 9, "minute": 4, "second": 5}
